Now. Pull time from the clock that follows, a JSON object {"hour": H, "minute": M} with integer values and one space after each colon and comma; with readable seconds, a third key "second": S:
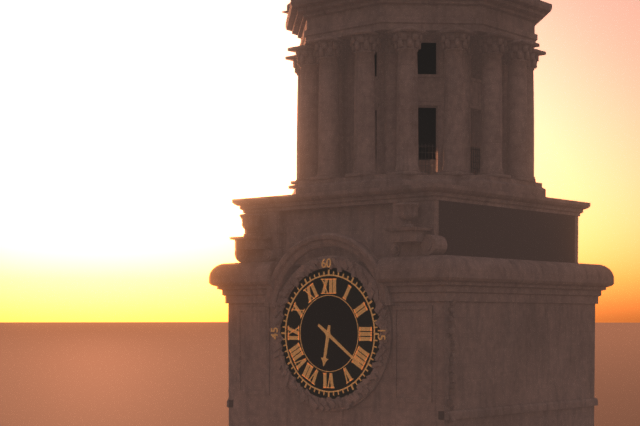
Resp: {"hour": 6, "minute": 21}
